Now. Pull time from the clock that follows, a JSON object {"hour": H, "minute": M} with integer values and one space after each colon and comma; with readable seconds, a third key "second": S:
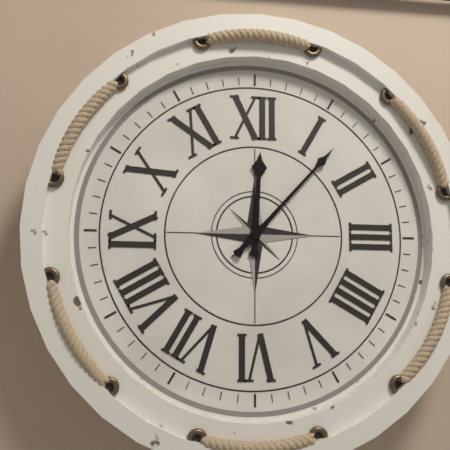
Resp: {"hour": 12, "minute": 7}
